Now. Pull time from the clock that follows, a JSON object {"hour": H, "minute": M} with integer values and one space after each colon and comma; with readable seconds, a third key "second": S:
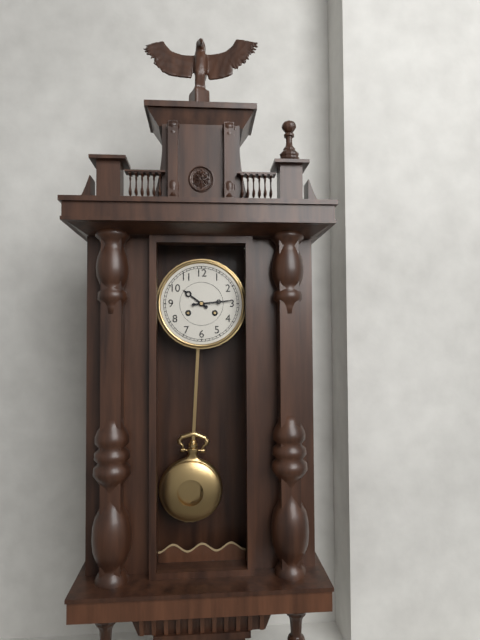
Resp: {"hour": 10, "minute": 14}
